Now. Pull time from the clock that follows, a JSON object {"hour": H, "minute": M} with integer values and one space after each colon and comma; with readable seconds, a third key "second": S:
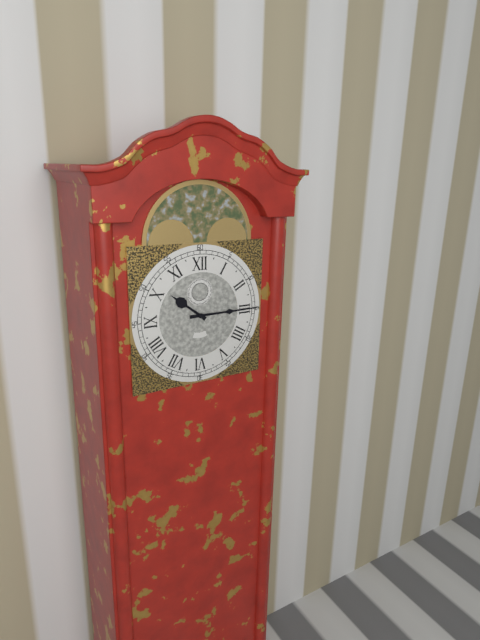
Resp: {"hour": 10, "minute": 15}
